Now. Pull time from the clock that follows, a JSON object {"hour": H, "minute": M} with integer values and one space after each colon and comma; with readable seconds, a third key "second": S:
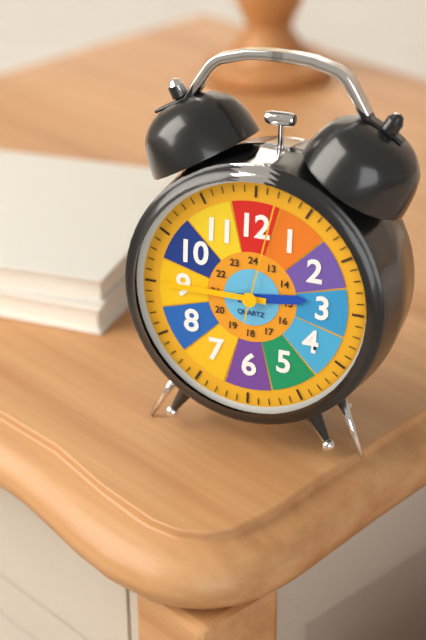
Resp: {"hour": 2, "minute": 45, "second": 2}
